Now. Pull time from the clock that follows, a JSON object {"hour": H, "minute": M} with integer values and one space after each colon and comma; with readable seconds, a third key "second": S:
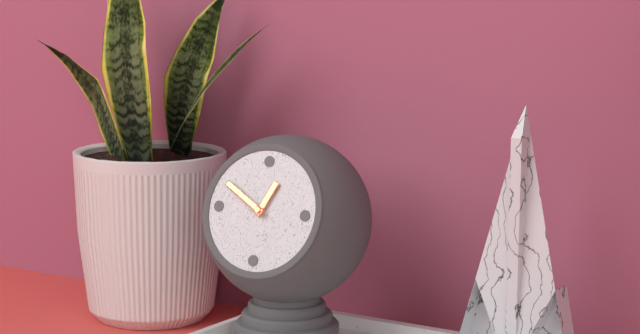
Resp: {"hour": 12, "minute": 50}
